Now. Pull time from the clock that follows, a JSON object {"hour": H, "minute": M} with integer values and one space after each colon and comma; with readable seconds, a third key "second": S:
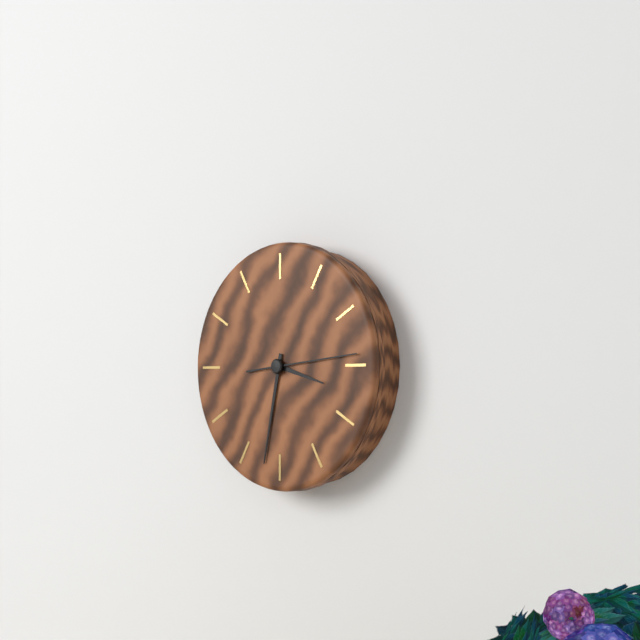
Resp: {"hour": 3, "minute": 32, "second": 14}
